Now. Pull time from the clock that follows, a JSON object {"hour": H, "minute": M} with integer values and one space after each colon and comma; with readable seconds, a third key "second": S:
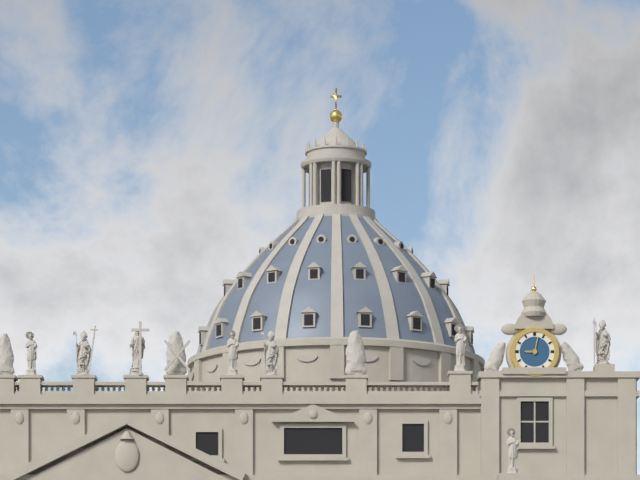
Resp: {"hour": 9, "minute": 2}
